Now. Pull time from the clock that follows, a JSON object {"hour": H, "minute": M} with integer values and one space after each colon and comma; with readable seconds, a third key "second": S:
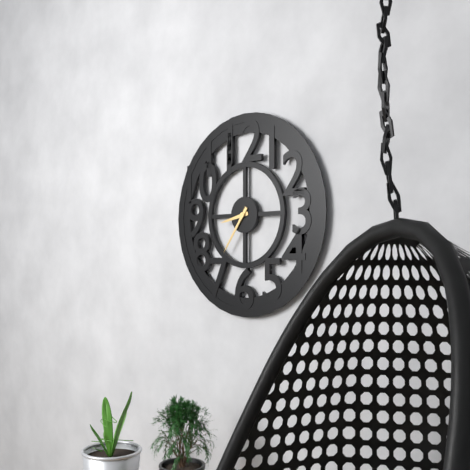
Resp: {"hour": 8, "minute": 36}
